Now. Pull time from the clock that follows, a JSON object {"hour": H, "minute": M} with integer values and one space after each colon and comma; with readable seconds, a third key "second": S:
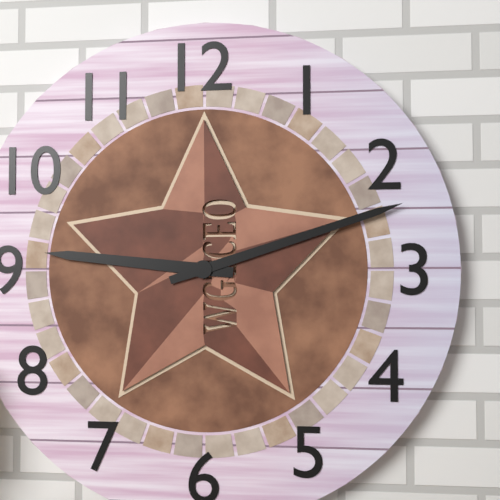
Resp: {"hour": 9, "minute": 12}
